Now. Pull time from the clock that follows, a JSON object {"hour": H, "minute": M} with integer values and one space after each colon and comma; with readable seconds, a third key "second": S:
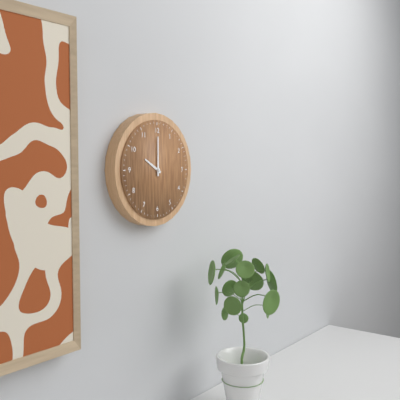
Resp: {"hour": 10, "minute": 0}
